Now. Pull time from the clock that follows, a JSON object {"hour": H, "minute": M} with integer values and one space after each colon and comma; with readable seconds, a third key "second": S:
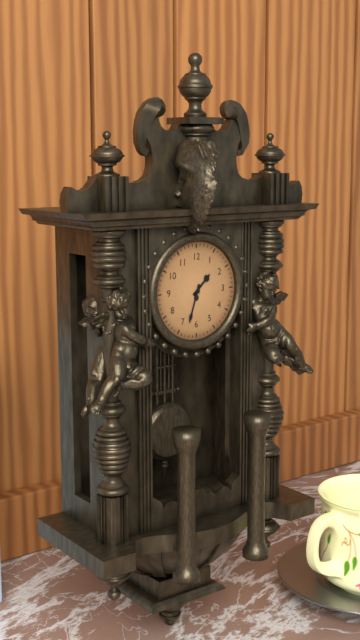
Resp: {"hour": 1, "minute": 33}
